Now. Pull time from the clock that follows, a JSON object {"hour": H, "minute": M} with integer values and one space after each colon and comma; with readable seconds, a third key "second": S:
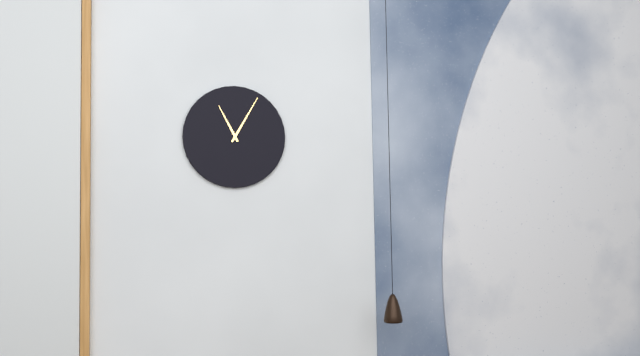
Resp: {"hour": 11, "minute": 5}
